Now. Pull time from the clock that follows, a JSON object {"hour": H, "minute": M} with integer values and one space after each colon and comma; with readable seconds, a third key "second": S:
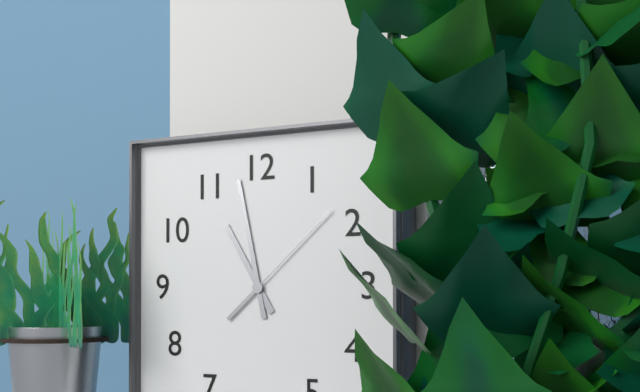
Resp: {"hour": 10, "minute": 58, "second": 8}
